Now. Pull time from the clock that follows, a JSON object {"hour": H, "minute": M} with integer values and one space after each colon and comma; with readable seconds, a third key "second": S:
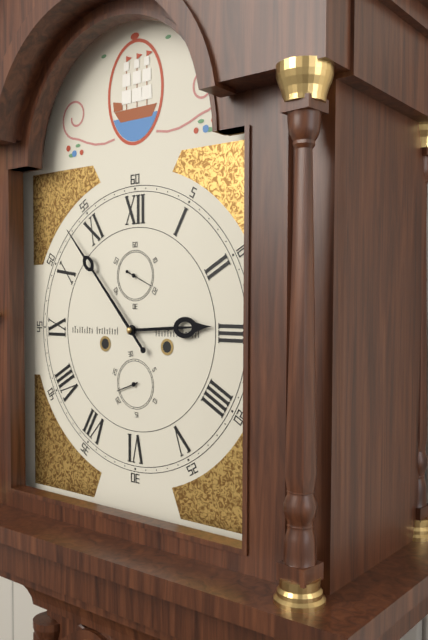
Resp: {"hour": 2, "minute": 53}
